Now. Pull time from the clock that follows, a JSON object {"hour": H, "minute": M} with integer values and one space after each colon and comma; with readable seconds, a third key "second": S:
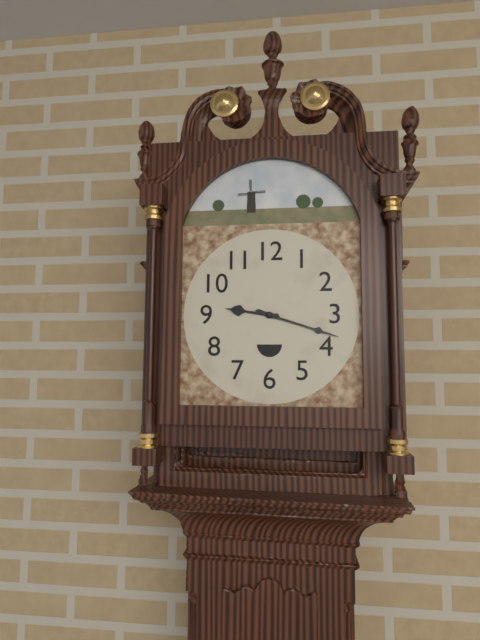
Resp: {"hour": 9, "minute": 18}
